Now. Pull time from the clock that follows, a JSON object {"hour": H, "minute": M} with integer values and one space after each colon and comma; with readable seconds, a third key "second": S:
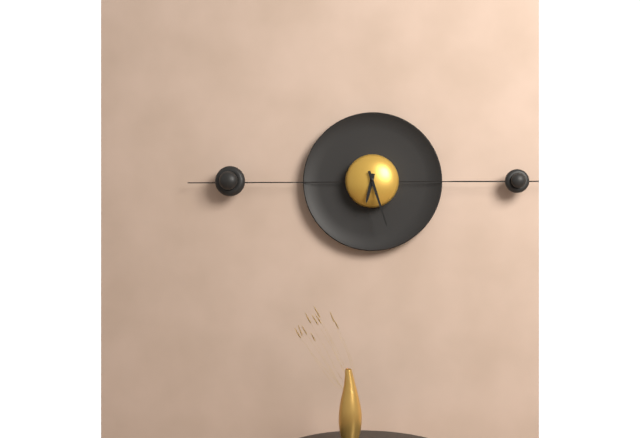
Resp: {"hour": 6, "minute": 27}
